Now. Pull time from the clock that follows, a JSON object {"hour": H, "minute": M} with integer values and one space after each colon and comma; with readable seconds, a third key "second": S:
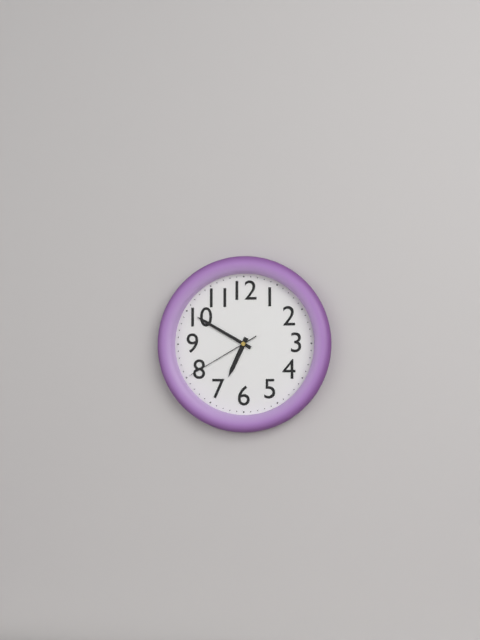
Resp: {"hour": 6, "minute": 50, "second": 40}
